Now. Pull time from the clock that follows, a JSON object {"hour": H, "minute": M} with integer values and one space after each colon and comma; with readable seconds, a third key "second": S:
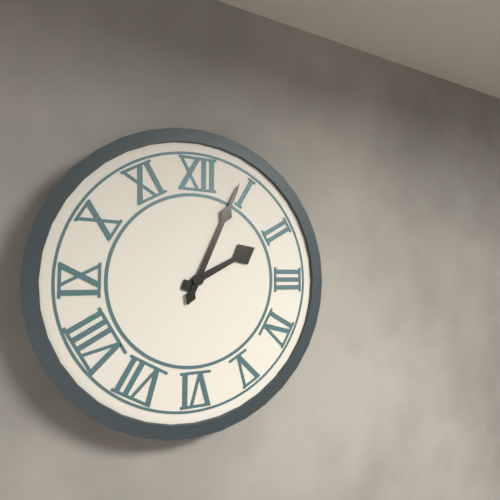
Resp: {"hour": 2, "minute": 4}
